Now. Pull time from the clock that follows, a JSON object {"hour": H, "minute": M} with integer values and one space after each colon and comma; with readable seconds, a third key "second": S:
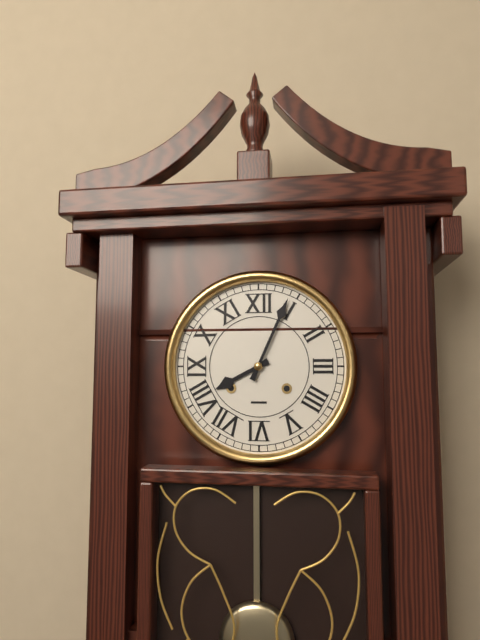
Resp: {"hour": 8, "minute": 4}
